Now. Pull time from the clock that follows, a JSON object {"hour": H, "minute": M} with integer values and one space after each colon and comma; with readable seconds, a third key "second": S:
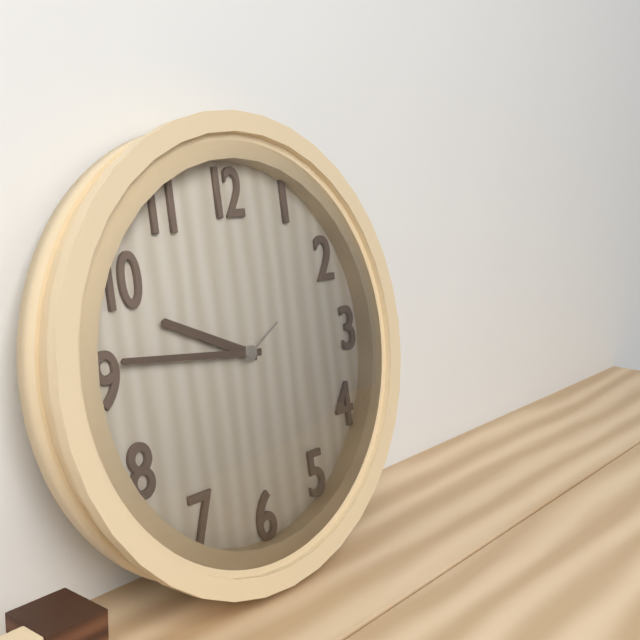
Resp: {"hour": 9, "minute": 46, "second": 10}
